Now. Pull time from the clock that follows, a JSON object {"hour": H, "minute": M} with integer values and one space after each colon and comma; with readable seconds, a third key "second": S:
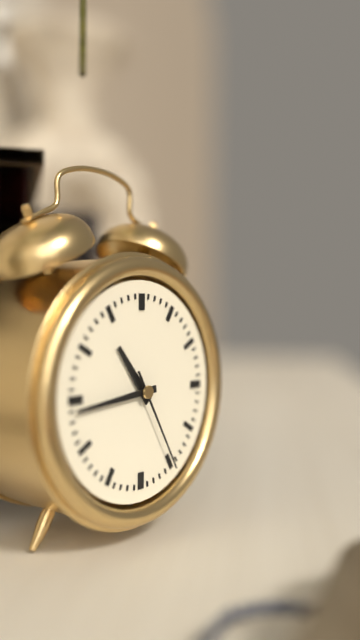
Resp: {"hour": 10, "minute": 44, "second": 25}
